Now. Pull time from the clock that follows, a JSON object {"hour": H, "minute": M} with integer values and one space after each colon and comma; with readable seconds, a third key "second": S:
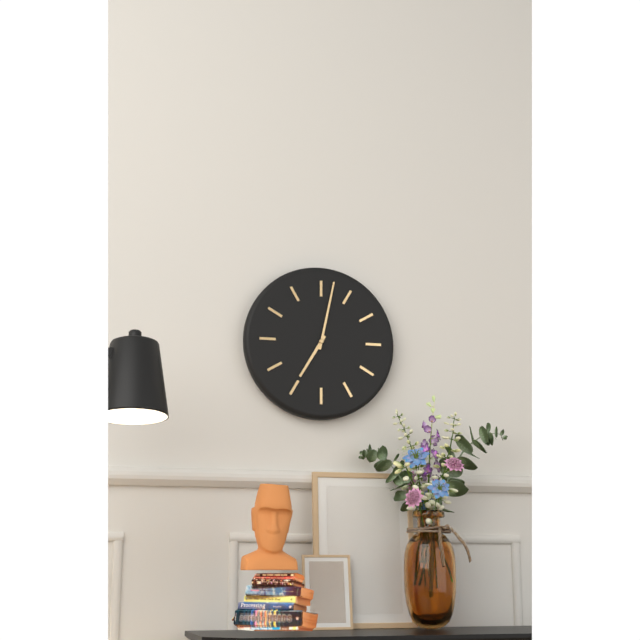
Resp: {"hour": 7, "minute": 2}
